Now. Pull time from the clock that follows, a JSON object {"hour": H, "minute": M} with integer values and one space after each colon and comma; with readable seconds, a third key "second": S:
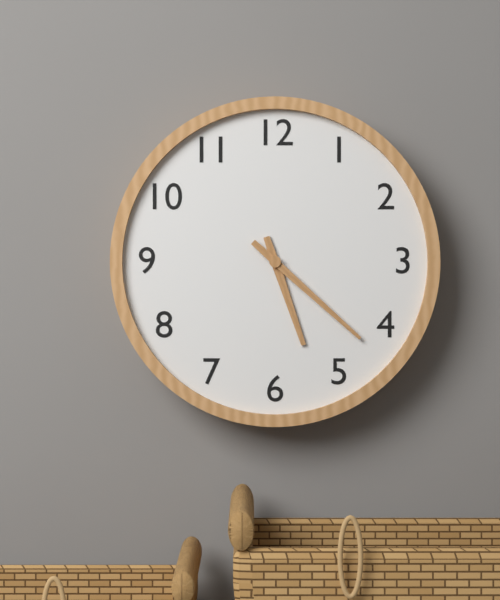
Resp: {"hour": 5, "minute": 22}
